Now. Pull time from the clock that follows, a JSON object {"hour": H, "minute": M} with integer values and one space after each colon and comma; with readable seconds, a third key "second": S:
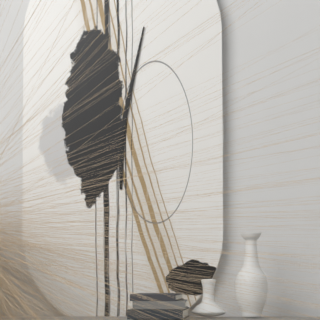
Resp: {"hour": 6, "minute": 2}
